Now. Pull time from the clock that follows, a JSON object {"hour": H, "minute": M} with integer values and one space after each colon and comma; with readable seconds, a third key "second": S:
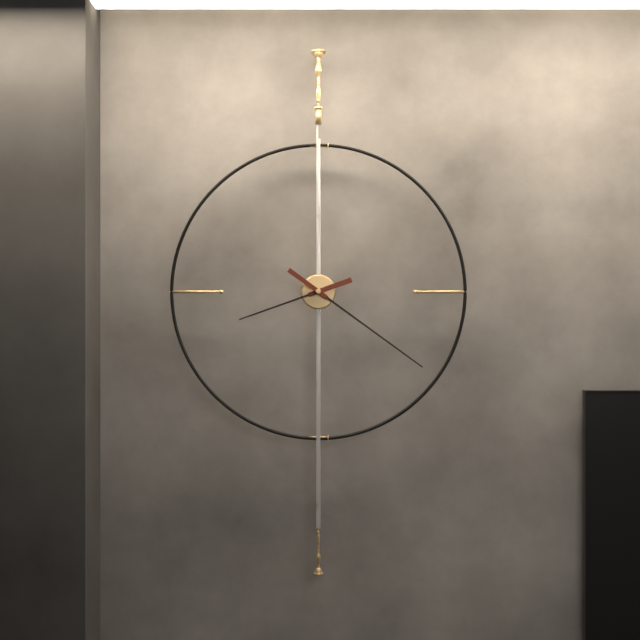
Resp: {"hour": 8, "minute": 21}
